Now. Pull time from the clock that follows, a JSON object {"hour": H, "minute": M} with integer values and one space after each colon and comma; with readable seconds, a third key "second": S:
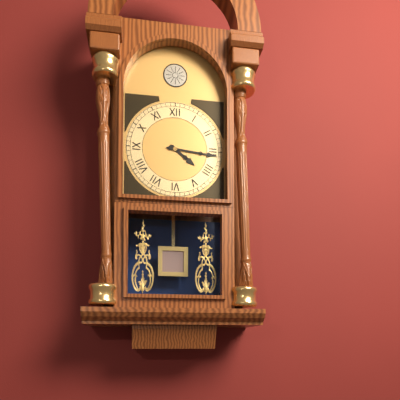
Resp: {"hour": 4, "minute": 16}
